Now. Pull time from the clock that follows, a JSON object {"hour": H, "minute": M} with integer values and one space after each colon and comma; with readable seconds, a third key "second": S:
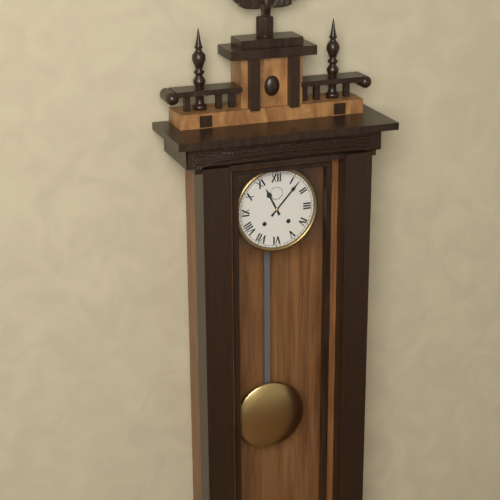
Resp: {"hour": 11, "minute": 7}
